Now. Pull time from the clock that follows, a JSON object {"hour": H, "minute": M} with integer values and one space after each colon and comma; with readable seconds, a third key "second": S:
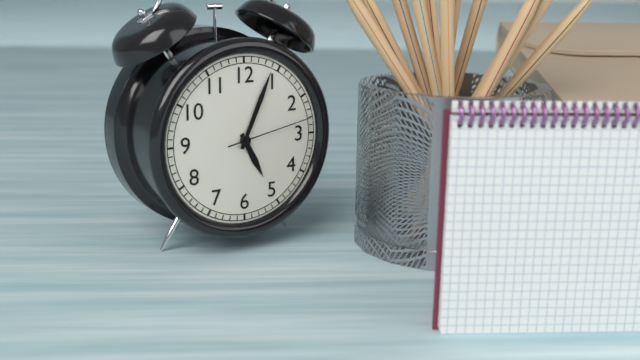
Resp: {"hour": 5, "minute": 4, "second": 13}
